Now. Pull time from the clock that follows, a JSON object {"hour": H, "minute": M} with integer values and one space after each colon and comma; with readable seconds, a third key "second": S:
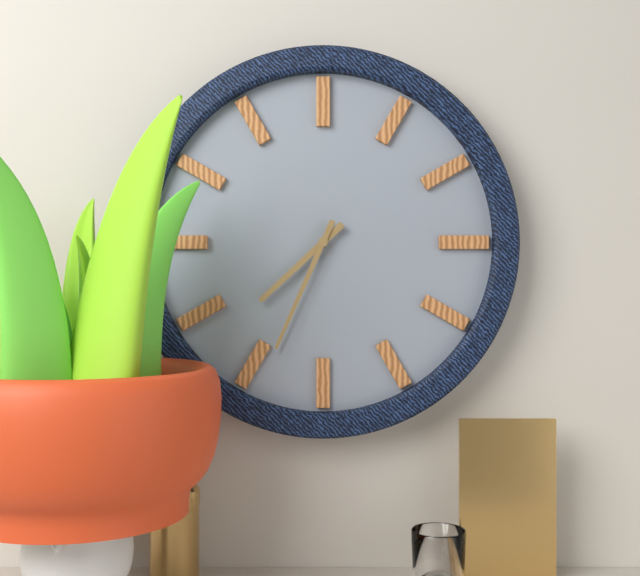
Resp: {"hour": 7, "minute": 34}
